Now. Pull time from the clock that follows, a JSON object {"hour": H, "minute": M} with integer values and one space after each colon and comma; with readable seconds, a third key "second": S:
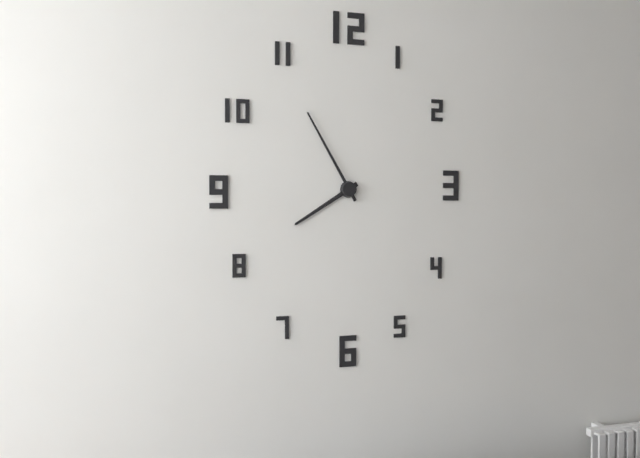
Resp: {"hour": 7, "minute": 55}
